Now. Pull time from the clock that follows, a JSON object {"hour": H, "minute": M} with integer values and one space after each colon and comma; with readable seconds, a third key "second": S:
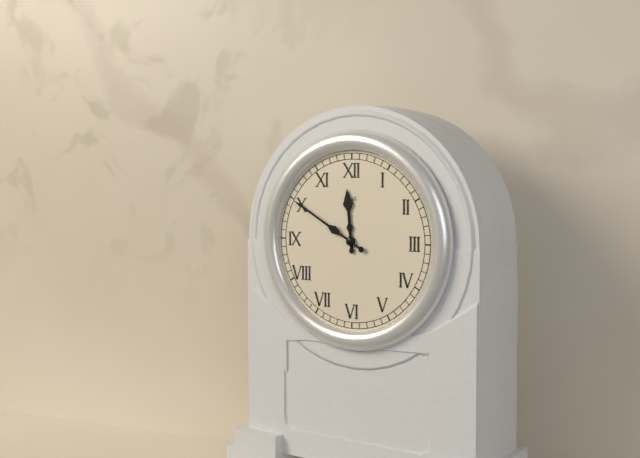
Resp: {"hour": 11, "minute": 50}
